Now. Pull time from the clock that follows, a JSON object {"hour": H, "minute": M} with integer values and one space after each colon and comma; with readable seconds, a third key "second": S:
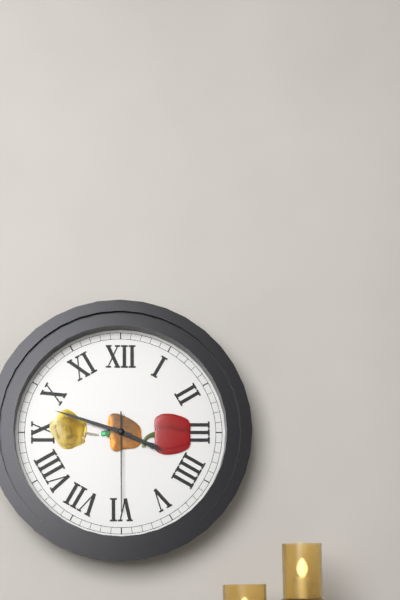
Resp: {"hour": 3, "minute": 48, "second": 30}
